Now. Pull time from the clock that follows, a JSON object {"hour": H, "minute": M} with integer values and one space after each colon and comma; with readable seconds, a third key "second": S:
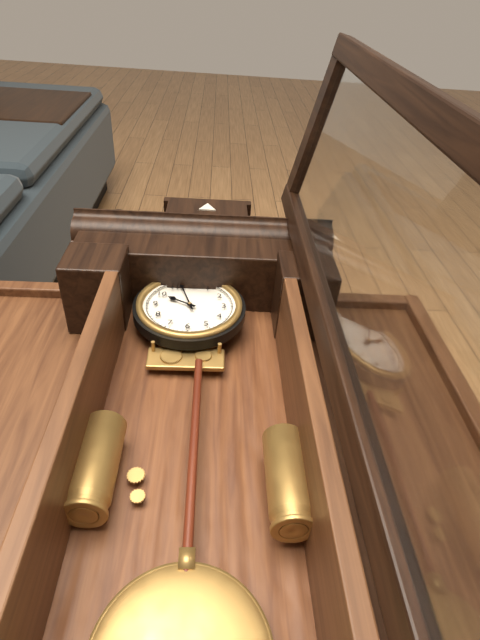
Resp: {"hour": 9, "minute": 57}
